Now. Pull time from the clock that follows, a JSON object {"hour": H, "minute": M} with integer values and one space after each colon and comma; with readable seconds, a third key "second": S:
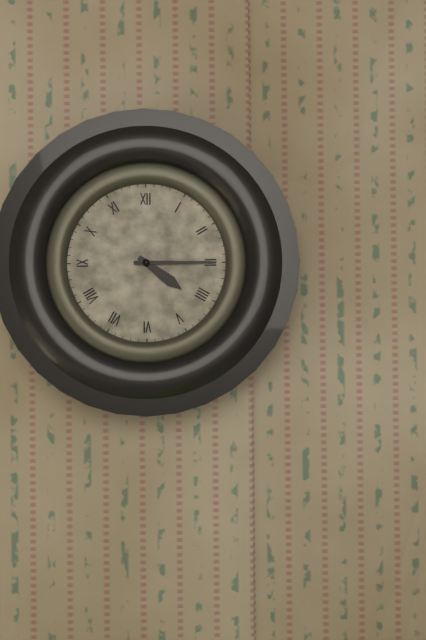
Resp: {"hour": 4, "minute": 15}
